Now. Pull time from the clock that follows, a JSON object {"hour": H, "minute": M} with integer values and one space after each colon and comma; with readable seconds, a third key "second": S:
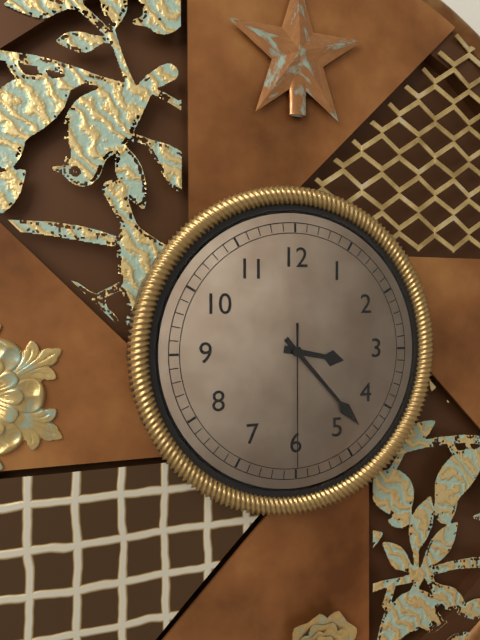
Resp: {"hour": 3, "minute": 23, "second": 30}
